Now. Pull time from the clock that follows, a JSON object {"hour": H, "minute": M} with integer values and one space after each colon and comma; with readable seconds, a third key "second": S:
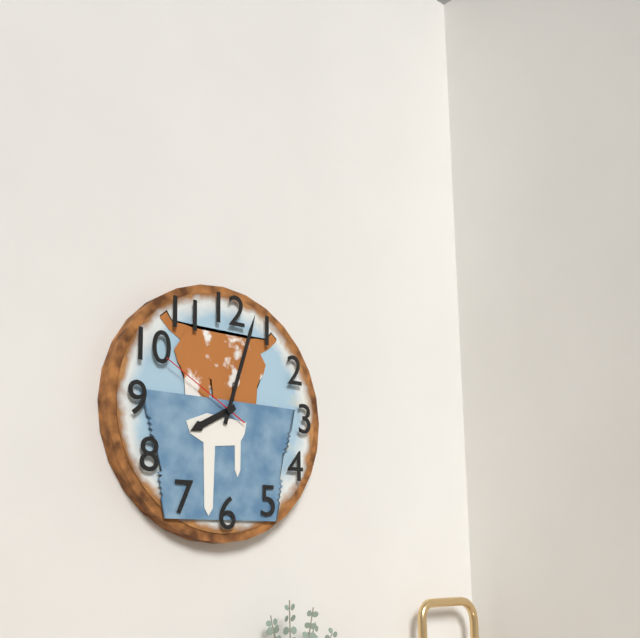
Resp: {"hour": 8, "minute": 3, "second": 50}
